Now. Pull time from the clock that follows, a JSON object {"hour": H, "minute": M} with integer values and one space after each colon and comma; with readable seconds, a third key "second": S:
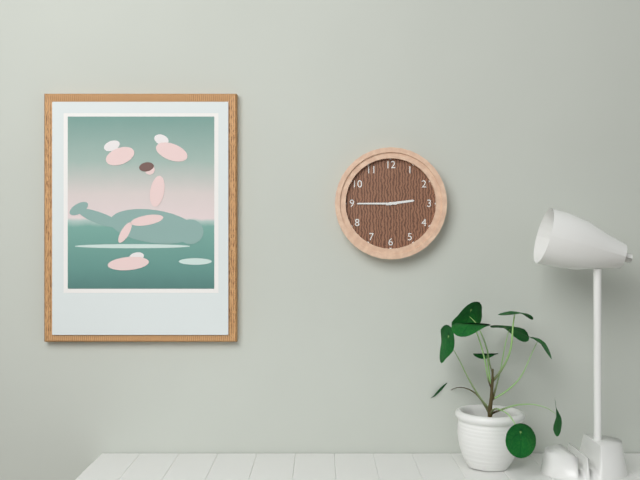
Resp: {"hour": 2, "minute": 45}
